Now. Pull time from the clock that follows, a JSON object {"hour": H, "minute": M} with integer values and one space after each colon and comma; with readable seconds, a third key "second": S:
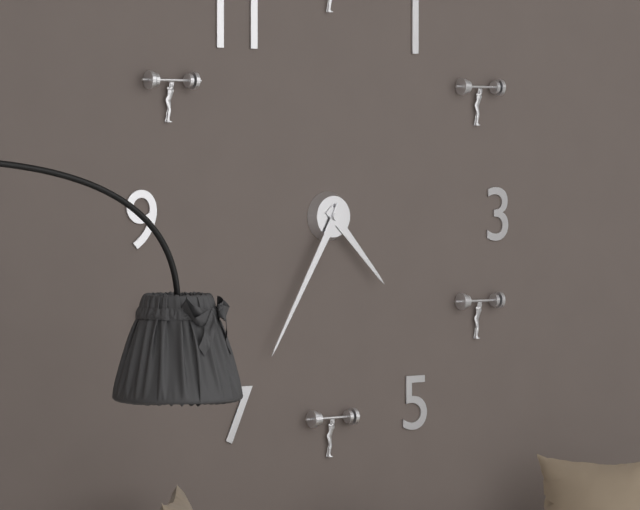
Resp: {"hour": 4, "minute": 35}
